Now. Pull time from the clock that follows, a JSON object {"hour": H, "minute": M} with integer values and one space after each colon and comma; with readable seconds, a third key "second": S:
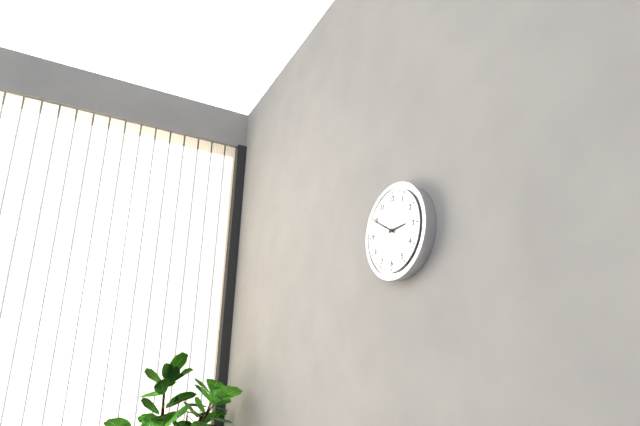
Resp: {"hour": 2, "minute": 50}
